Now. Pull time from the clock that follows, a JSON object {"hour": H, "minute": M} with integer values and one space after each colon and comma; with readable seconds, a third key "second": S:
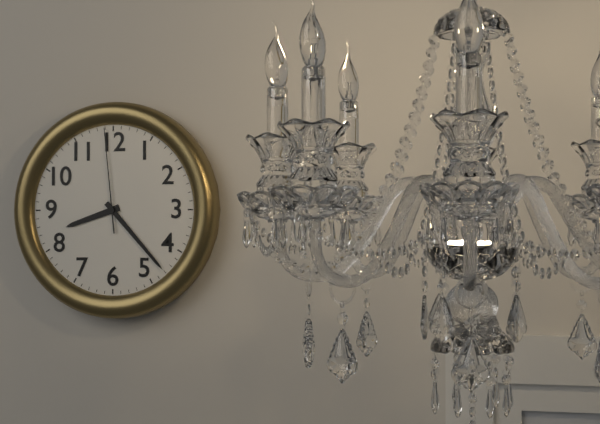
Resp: {"hour": 8, "minute": 23, "second": 59}
